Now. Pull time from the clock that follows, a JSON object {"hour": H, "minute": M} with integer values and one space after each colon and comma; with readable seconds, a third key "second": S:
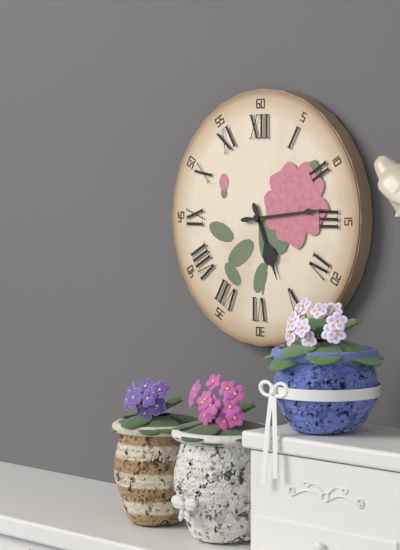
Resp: {"hour": 5, "minute": 14}
